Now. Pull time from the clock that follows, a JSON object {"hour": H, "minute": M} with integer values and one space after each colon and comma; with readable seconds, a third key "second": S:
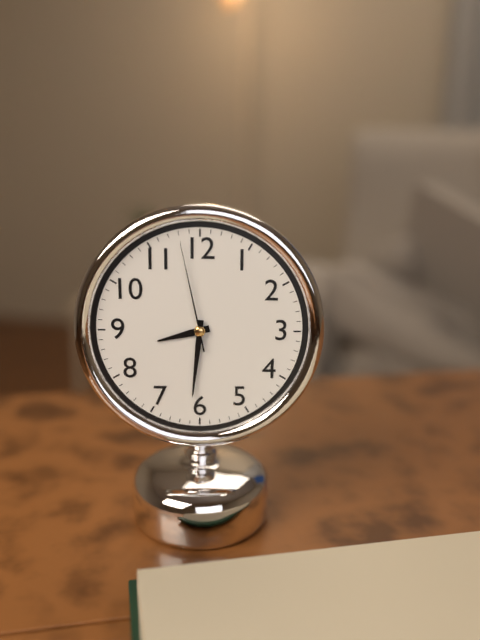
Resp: {"hour": 8, "minute": 31, "second": 58}
